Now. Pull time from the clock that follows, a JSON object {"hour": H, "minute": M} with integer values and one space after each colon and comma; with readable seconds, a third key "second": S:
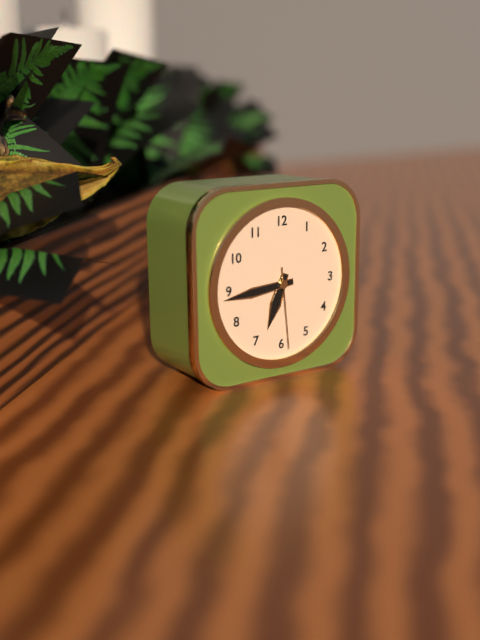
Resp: {"hour": 6, "minute": 44, "second": 29}
